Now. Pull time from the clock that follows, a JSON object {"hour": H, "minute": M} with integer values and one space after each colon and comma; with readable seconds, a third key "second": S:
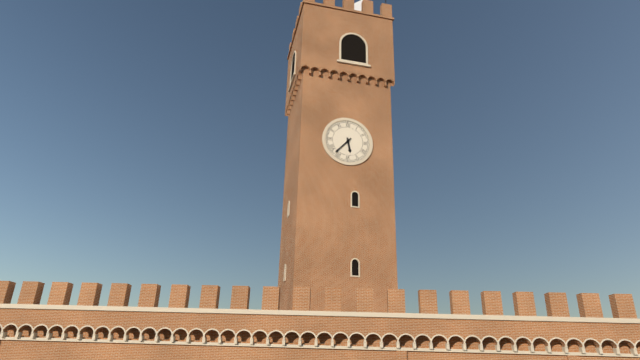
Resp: {"hour": 5, "minute": 37}
